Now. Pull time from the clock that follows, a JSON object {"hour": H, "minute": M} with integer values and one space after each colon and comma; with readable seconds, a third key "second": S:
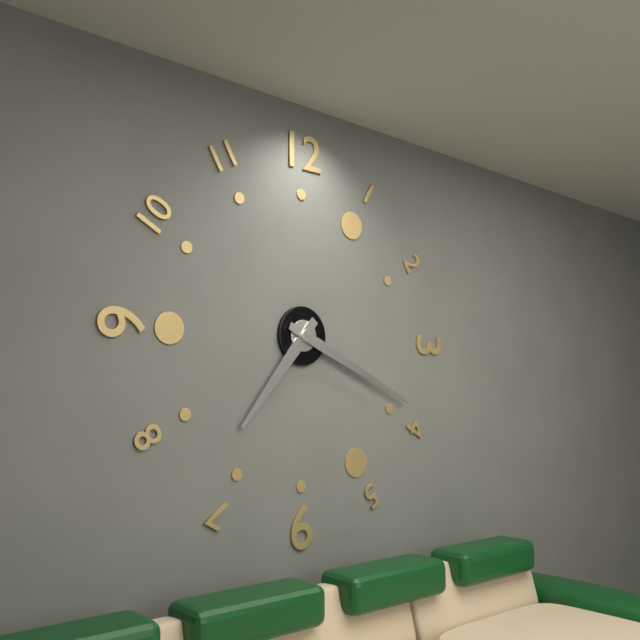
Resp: {"hour": 7, "minute": 19}
